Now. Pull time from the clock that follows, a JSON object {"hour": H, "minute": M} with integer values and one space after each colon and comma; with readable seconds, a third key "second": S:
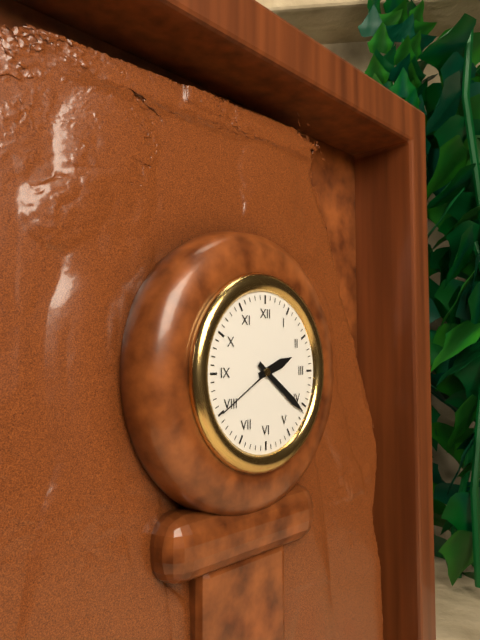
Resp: {"hour": 2, "minute": 21, "second": 40}
